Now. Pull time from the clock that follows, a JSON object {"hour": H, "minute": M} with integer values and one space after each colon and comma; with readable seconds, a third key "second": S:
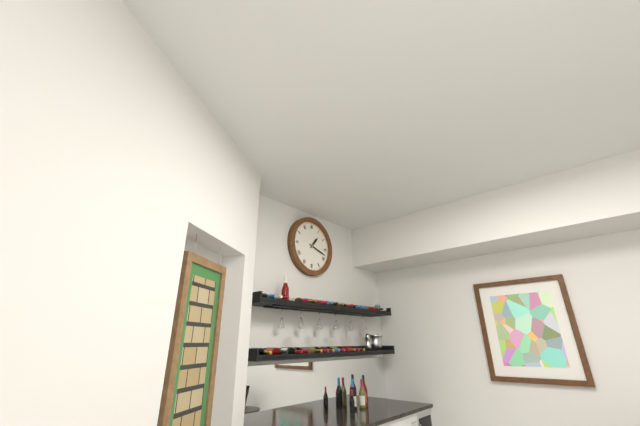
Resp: {"hour": 1, "minute": 18}
